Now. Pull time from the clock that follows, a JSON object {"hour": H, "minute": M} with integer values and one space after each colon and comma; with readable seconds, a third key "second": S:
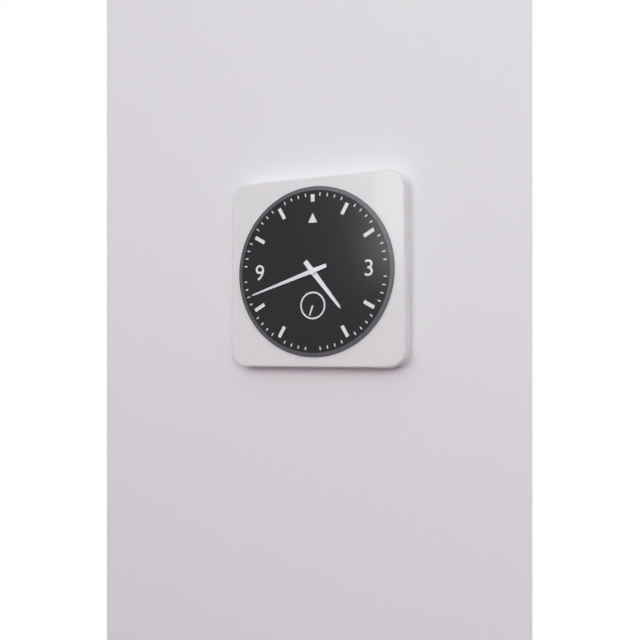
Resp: {"hour": 4, "minute": 42}
